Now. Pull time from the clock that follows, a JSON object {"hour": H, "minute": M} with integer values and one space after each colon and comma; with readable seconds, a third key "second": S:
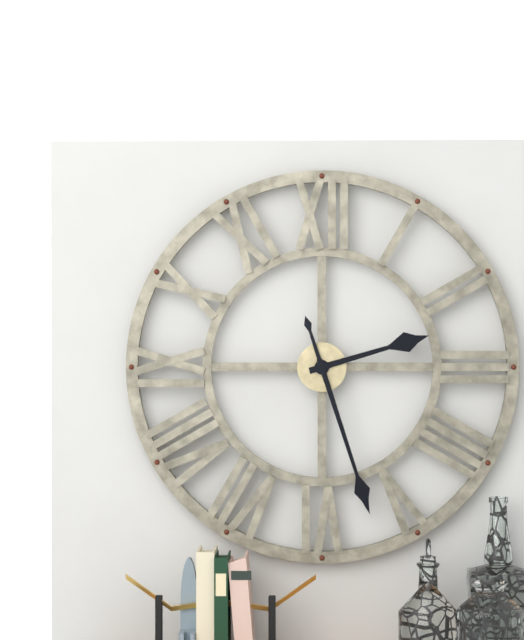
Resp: {"hour": 2, "minute": 27}
